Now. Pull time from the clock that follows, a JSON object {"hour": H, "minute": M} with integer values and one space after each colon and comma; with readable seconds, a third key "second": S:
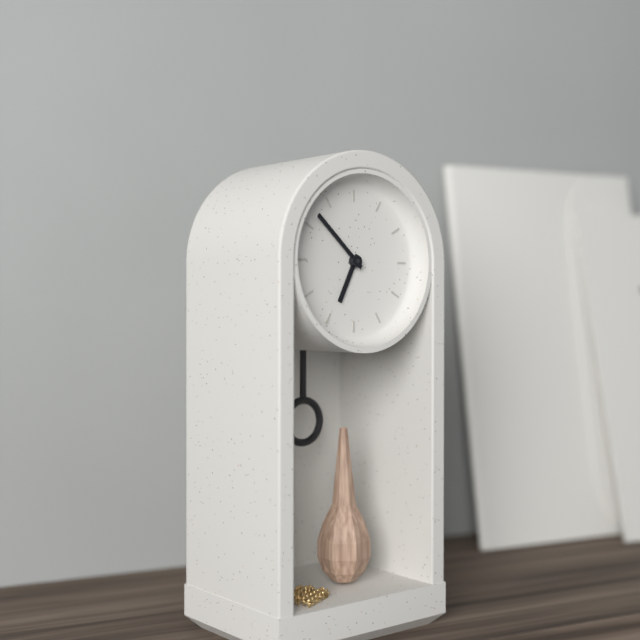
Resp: {"hour": 6, "minute": 52}
